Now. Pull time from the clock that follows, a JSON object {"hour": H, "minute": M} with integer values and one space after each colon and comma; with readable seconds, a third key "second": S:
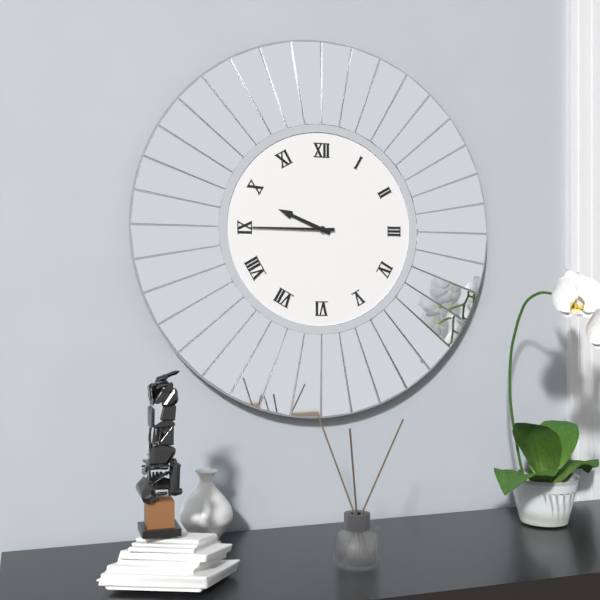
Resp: {"hour": 9, "minute": 45}
